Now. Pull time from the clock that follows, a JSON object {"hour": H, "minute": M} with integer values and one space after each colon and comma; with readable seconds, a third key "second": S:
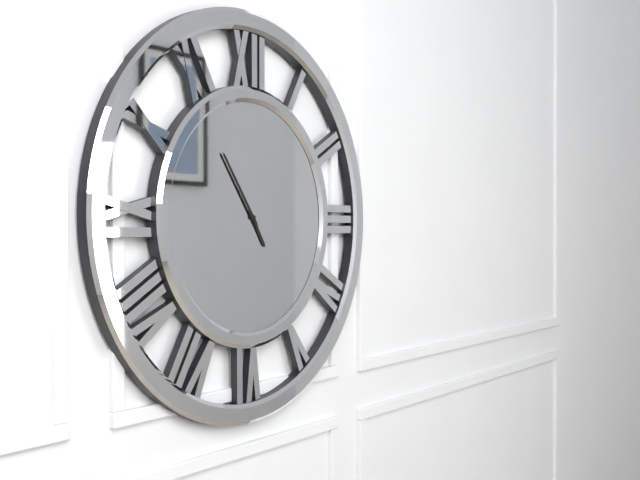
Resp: {"hour": 4, "minute": 54}
